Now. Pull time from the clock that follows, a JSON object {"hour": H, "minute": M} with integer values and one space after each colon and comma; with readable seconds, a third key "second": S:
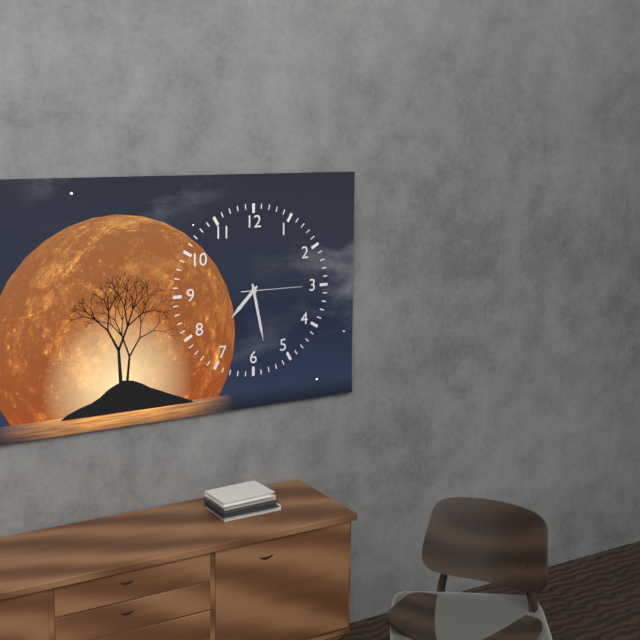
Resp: {"hour": 7, "minute": 28, "second": 15}
